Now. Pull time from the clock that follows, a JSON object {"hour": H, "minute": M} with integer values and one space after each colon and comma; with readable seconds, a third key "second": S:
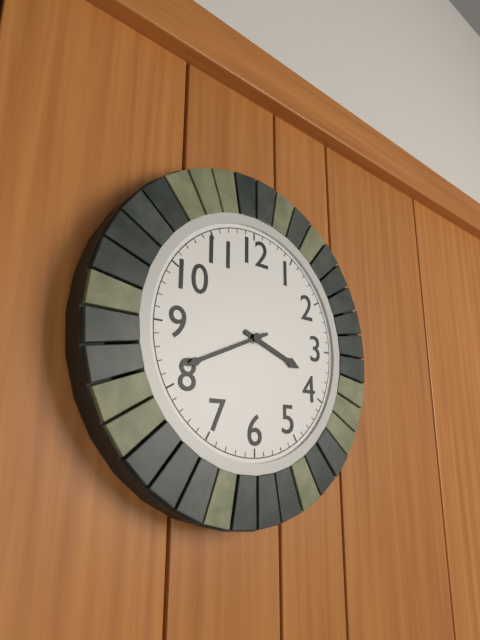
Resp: {"hour": 3, "minute": 41}
